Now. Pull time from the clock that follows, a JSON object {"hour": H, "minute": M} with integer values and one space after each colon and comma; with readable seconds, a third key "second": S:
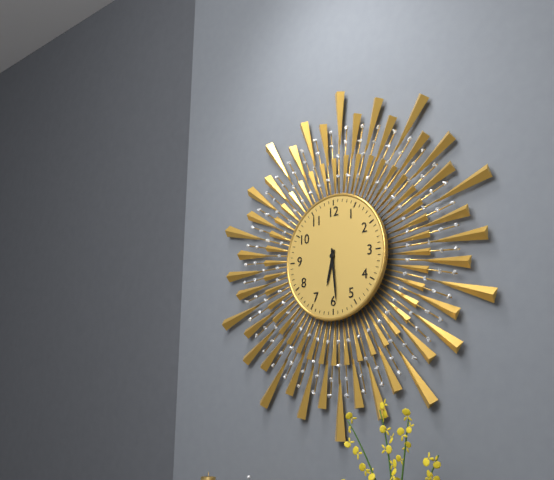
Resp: {"hour": 6, "minute": 29}
